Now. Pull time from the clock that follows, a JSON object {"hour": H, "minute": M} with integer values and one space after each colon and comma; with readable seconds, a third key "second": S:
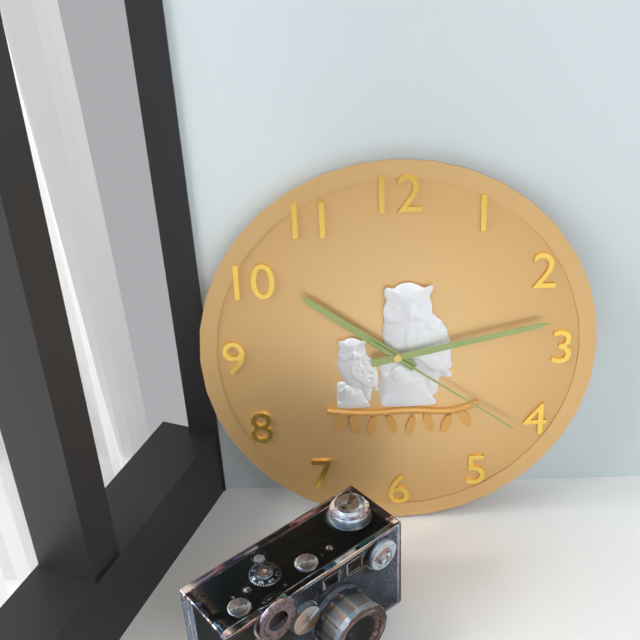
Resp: {"hour": 10, "minute": 13, "second": 21}
